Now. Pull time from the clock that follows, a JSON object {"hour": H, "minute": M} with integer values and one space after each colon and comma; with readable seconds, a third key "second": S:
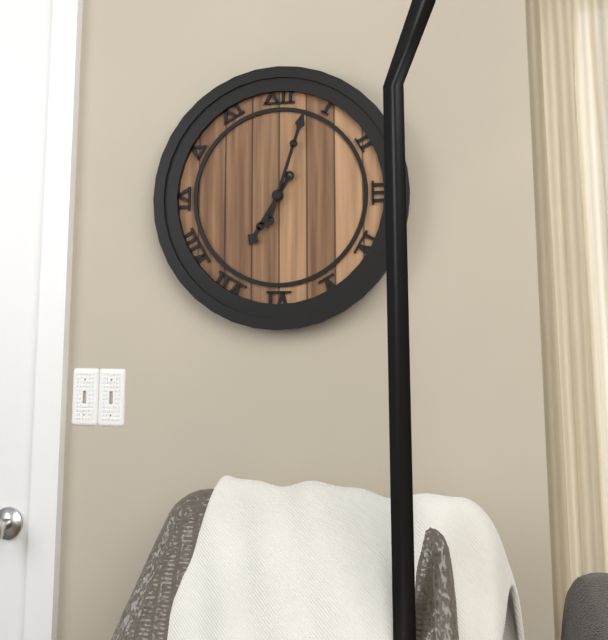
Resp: {"hour": 7, "minute": 3}
